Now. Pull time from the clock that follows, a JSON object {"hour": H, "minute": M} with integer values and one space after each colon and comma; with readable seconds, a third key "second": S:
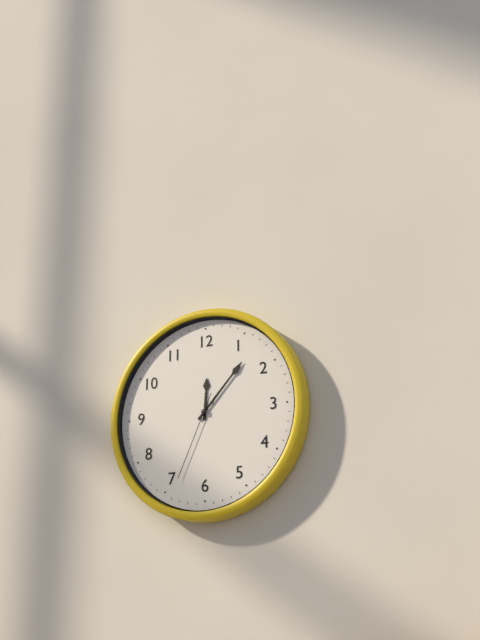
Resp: {"hour": 12, "minute": 7, "second": 34}
